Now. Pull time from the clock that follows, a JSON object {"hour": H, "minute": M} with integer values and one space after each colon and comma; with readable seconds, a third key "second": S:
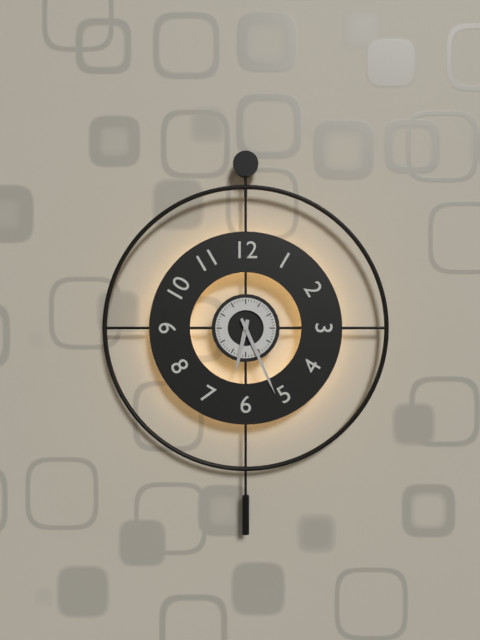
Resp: {"hour": 6, "minute": 26}
